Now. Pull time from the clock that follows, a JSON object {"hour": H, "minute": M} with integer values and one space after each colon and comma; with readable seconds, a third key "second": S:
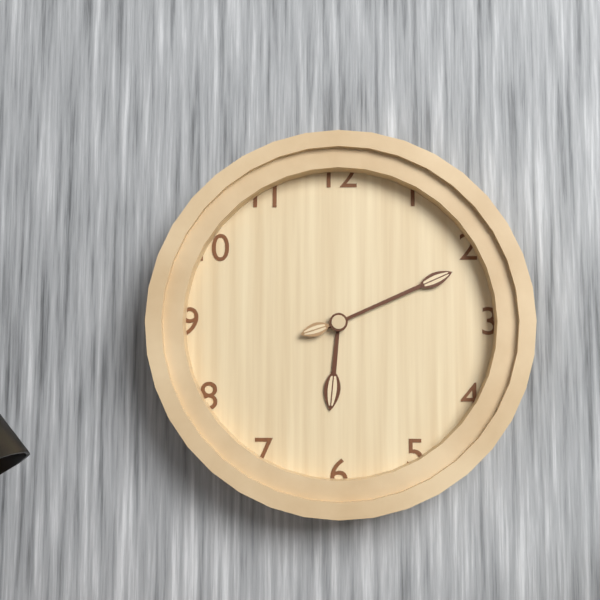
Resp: {"hour": 6, "minute": 11, "second": 42}
